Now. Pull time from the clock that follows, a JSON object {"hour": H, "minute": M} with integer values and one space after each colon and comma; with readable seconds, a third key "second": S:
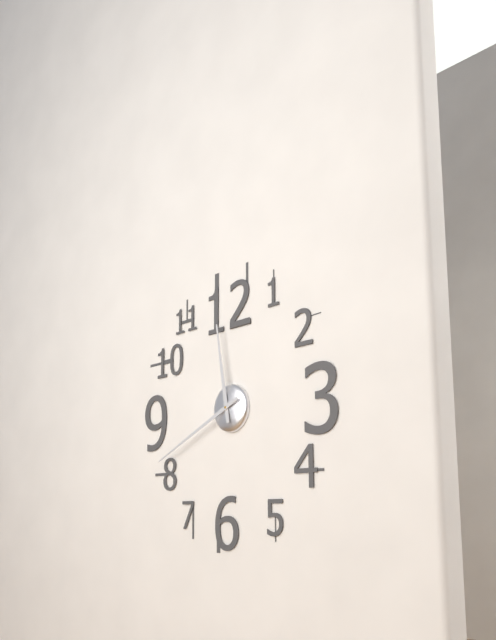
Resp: {"hour": 11, "minute": 41}
